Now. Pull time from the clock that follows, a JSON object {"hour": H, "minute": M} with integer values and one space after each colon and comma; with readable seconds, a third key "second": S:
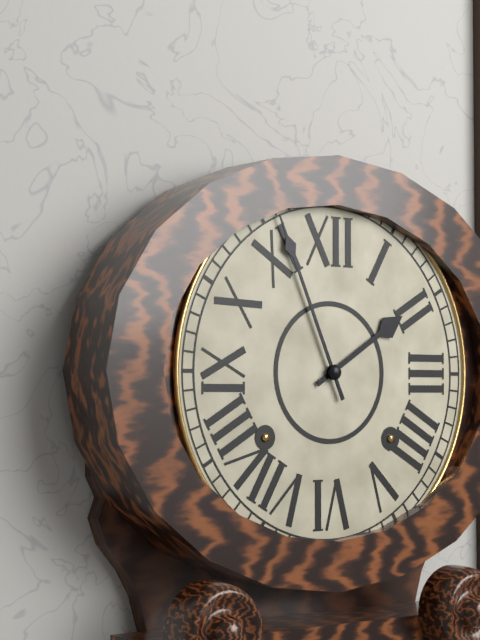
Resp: {"hour": 1, "minute": 56}
